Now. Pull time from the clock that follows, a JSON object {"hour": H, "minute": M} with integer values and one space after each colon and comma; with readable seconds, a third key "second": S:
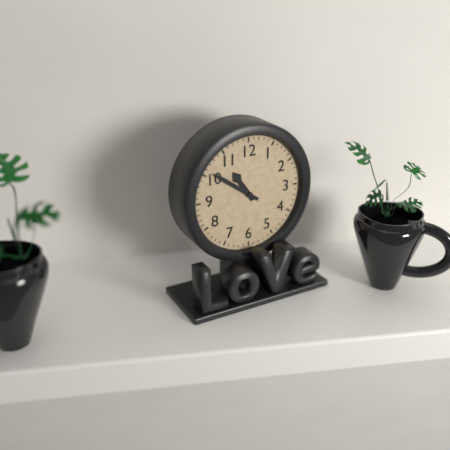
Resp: {"hour": 10, "minute": 51}
